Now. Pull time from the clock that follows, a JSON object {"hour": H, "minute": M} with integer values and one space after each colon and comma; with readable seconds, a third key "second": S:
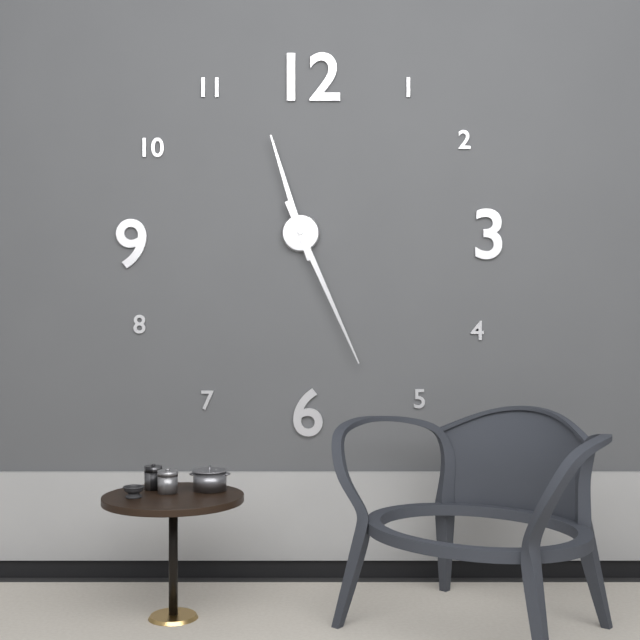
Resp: {"hour": 11, "minute": 26}
